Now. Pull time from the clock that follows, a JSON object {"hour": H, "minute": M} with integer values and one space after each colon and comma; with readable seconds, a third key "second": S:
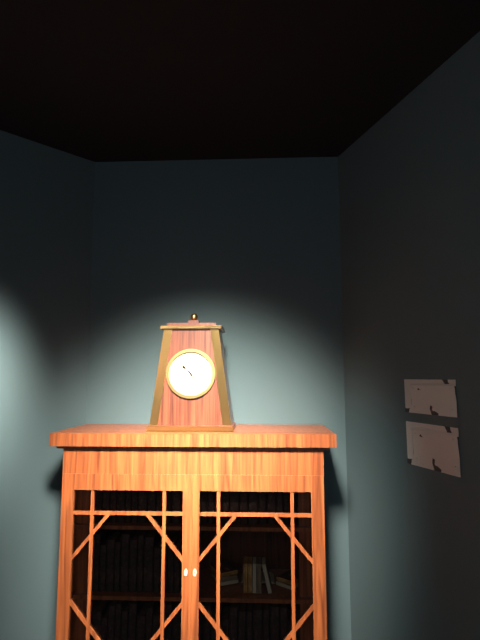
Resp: {"hour": 10, "minute": 26}
